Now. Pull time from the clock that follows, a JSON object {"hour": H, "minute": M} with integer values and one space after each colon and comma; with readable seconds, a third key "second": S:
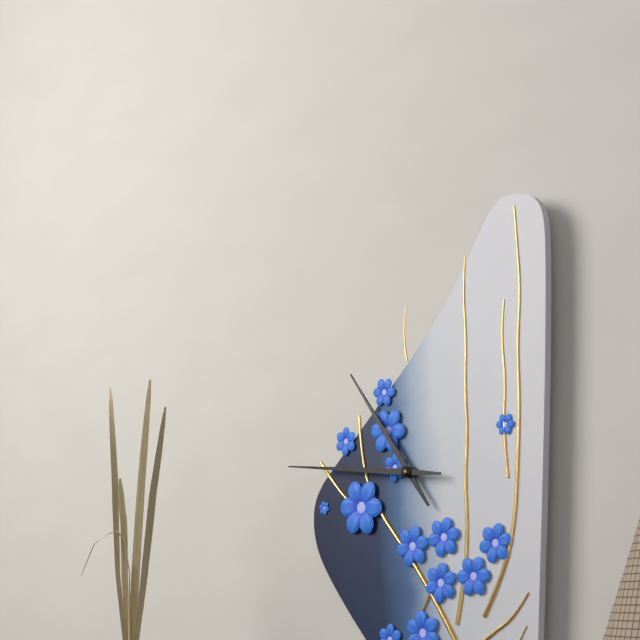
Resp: {"hour": 10, "minute": 46}
